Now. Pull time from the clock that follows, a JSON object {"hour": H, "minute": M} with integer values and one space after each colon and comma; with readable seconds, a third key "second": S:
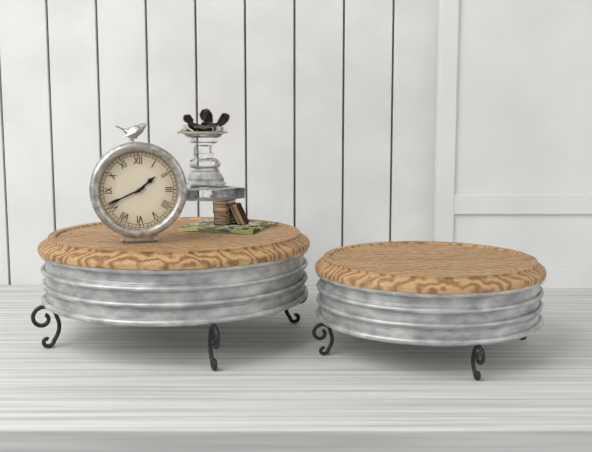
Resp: {"hour": 1, "minute": 41}
